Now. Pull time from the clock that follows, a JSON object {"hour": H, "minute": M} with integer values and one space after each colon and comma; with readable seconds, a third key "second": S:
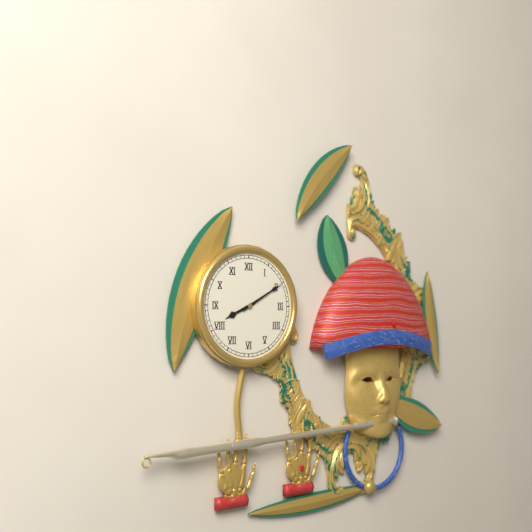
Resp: {"hour": 8, "minute": 10}
